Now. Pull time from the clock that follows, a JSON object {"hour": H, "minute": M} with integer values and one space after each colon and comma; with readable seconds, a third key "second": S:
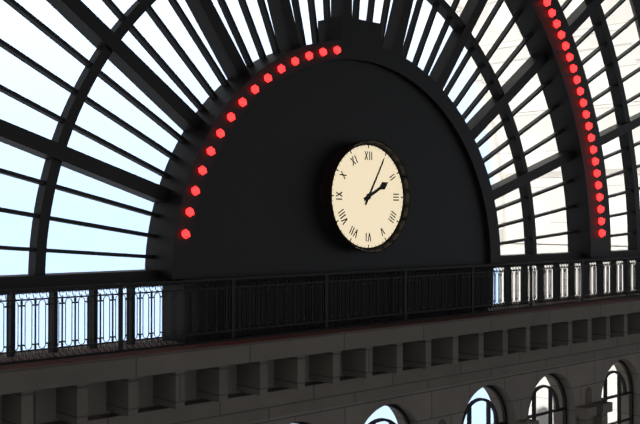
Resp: {"hour": 2, "minute": 5}
